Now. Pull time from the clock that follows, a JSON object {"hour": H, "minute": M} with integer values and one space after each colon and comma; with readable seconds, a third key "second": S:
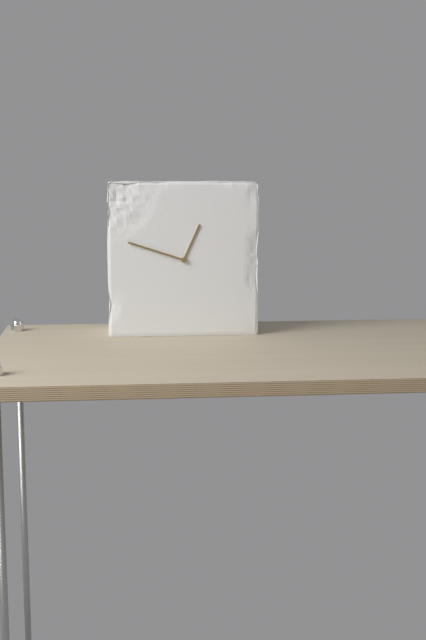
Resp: {"hour": 12, "minute": 48}
